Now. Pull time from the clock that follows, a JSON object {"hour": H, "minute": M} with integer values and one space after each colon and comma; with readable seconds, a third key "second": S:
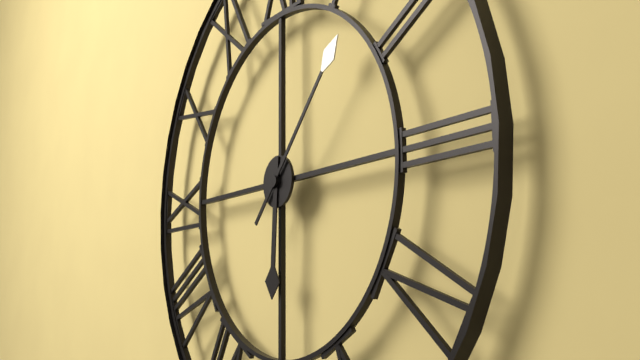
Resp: {"hour": 6, "minute": 7}
